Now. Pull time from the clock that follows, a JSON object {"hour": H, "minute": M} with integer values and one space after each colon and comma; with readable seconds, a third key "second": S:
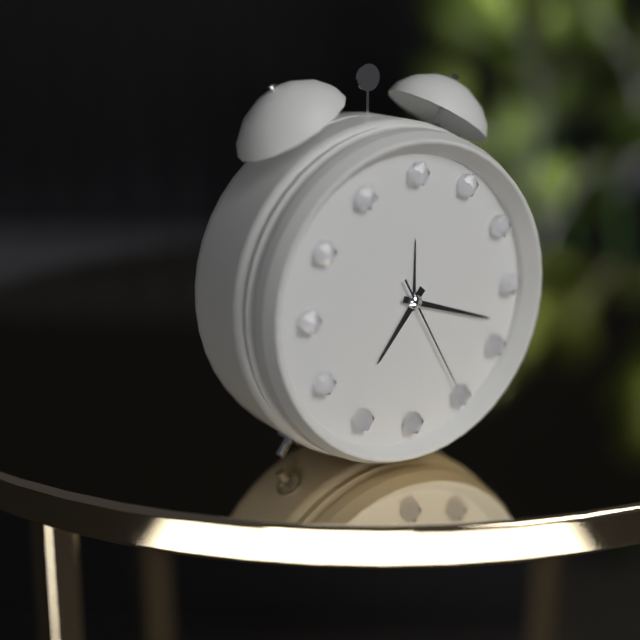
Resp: {"hour": 7, "minute": 18, "second": 25}
